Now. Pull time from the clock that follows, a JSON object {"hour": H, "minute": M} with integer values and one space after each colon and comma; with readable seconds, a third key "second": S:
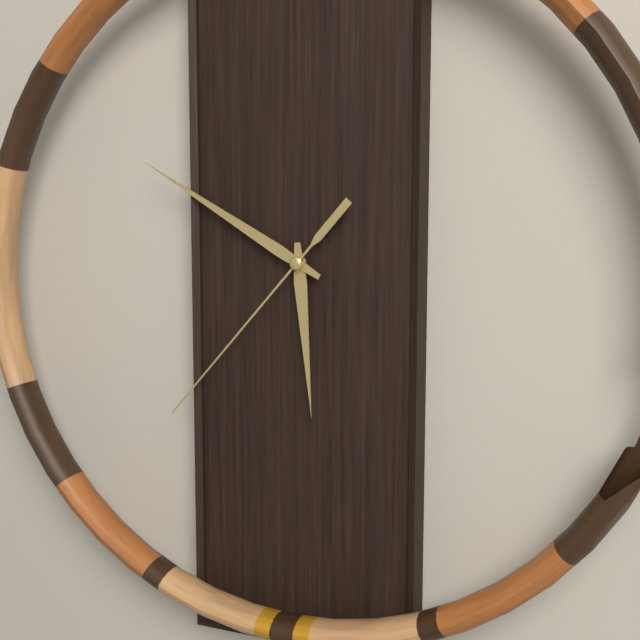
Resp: {"hour": 5, "minute": 50, "second": 37}
